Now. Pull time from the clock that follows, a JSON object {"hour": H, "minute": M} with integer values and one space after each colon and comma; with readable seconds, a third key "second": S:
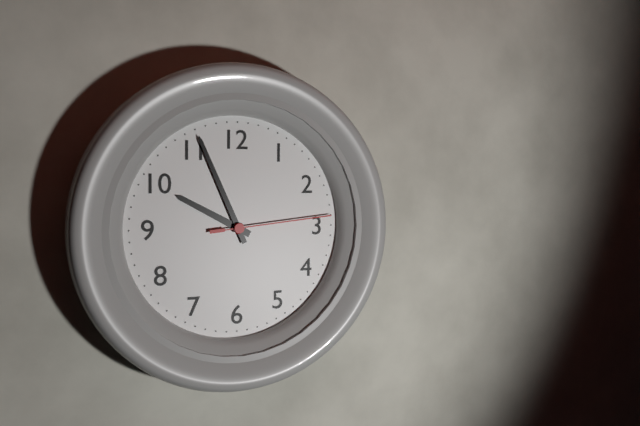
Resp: {"hour": 9, "minute": 56, "second": 14}
